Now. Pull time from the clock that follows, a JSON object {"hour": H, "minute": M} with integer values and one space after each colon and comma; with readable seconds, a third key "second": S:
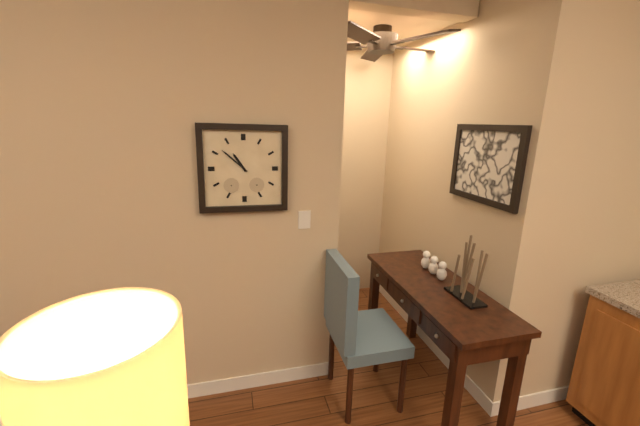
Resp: {"hour": 10, "minute": 52}
